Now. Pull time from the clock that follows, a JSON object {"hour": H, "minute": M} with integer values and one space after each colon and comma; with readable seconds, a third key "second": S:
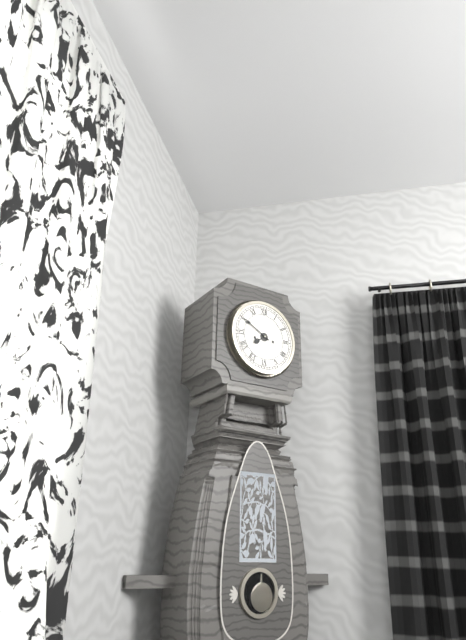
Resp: {"hour": 7, "minute": 50}
